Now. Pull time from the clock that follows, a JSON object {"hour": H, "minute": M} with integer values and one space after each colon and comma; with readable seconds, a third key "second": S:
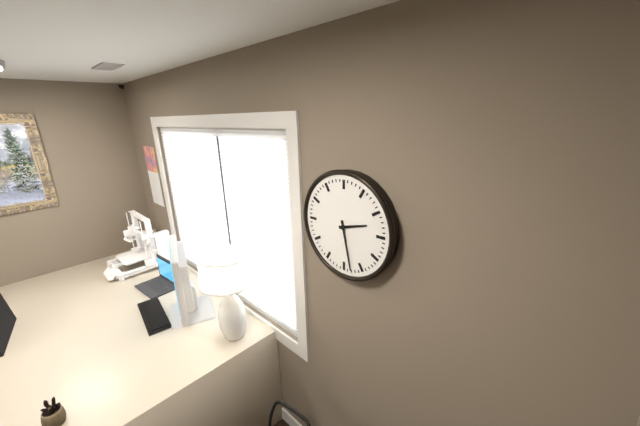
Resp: {"hour": 2, "minute": 28}
